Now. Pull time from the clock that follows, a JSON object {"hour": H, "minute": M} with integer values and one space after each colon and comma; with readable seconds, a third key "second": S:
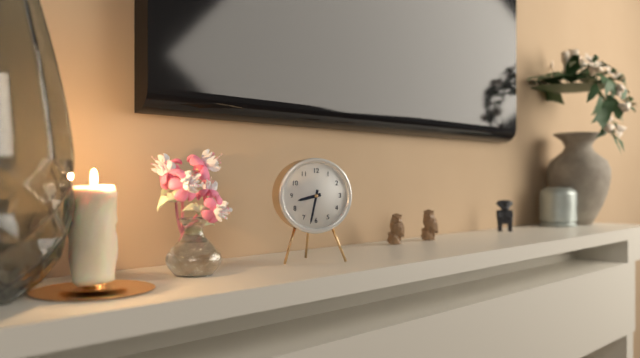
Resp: {"hour": 8, "minute": 32}
